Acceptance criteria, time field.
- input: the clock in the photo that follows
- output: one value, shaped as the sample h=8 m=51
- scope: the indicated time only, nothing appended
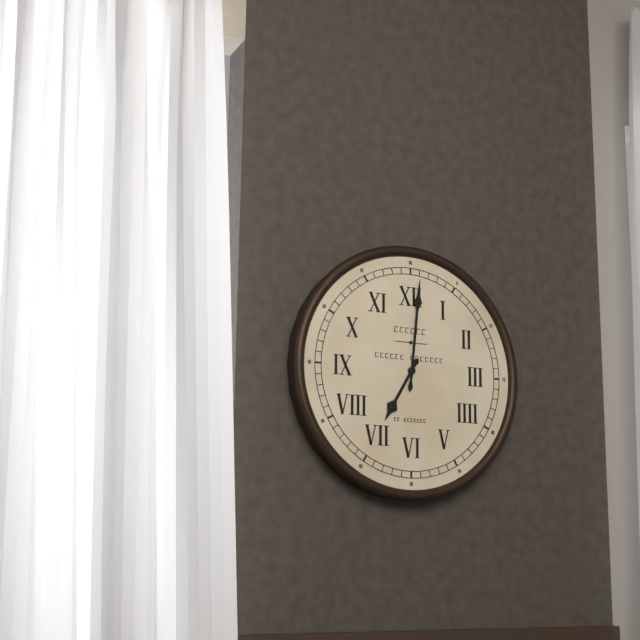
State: h=7 m=1
